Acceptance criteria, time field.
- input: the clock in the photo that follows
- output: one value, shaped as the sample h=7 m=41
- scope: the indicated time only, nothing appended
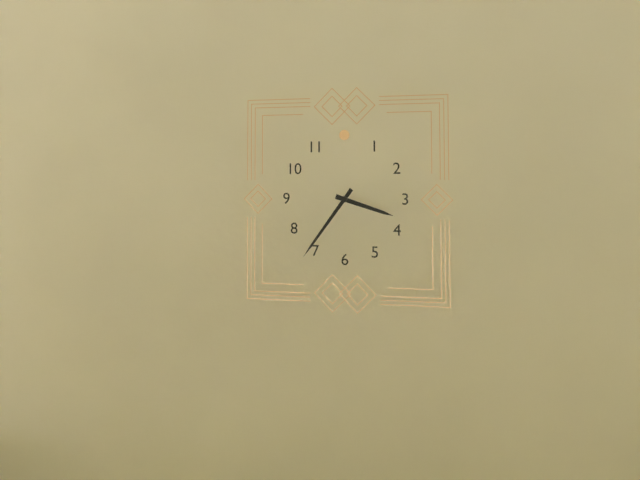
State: h=3 m=36
